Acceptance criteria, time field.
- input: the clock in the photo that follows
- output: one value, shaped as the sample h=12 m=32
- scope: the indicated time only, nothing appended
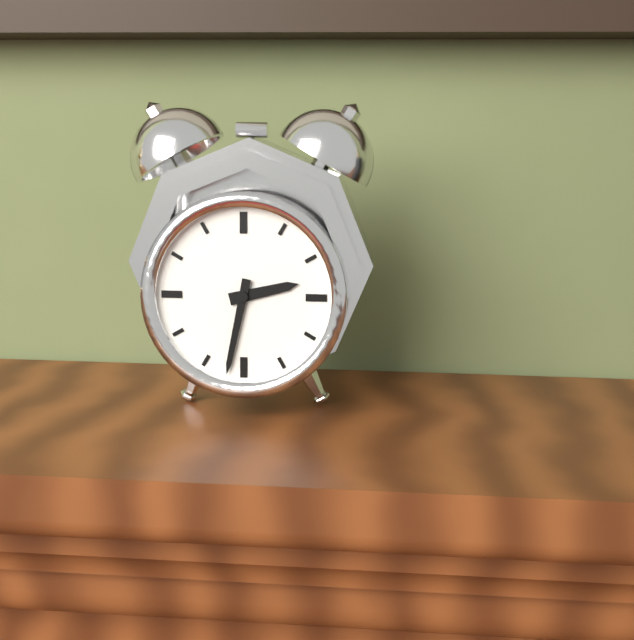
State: h=2 m=32
